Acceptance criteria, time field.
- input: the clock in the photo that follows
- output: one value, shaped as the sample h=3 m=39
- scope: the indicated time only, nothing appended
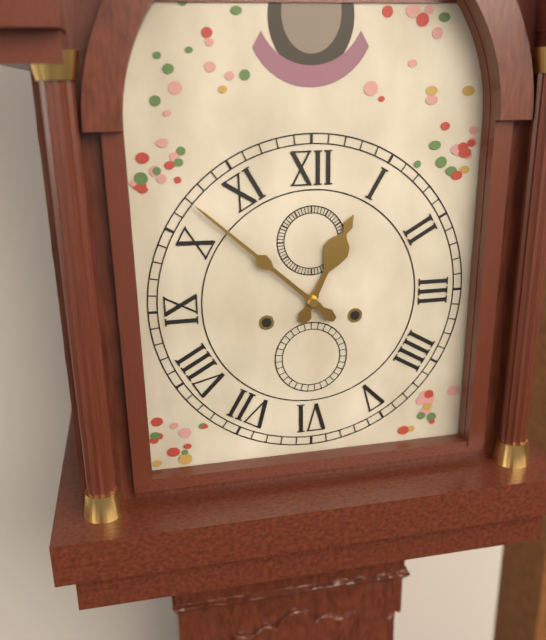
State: h=12 m=52
